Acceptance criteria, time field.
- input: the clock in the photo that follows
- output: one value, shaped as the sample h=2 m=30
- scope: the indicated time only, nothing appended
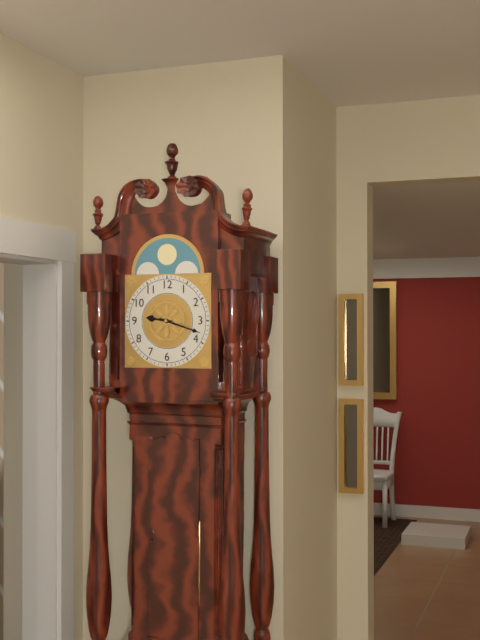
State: h=9 m=18
